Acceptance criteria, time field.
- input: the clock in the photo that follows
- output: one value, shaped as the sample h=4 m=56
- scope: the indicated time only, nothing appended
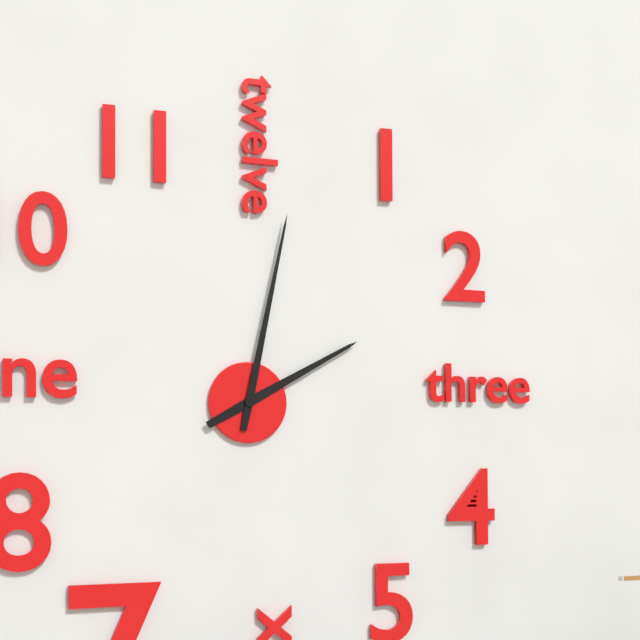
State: h=2 m=2
